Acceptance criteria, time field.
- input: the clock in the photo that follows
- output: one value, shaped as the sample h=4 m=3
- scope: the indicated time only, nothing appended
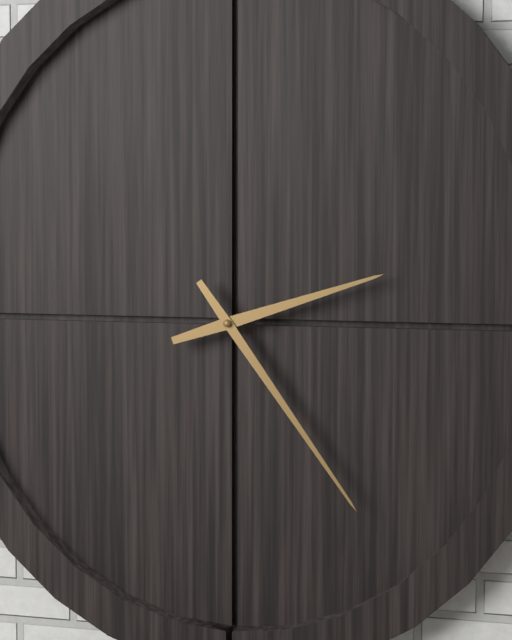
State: h=2 m=24
